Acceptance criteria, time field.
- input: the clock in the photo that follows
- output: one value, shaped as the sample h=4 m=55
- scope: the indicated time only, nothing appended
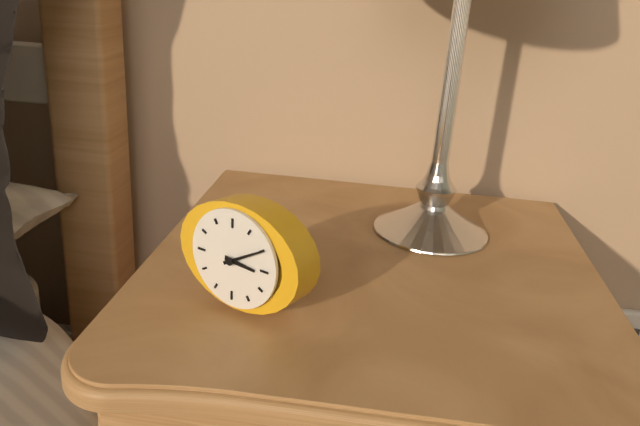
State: h=3 m=10
